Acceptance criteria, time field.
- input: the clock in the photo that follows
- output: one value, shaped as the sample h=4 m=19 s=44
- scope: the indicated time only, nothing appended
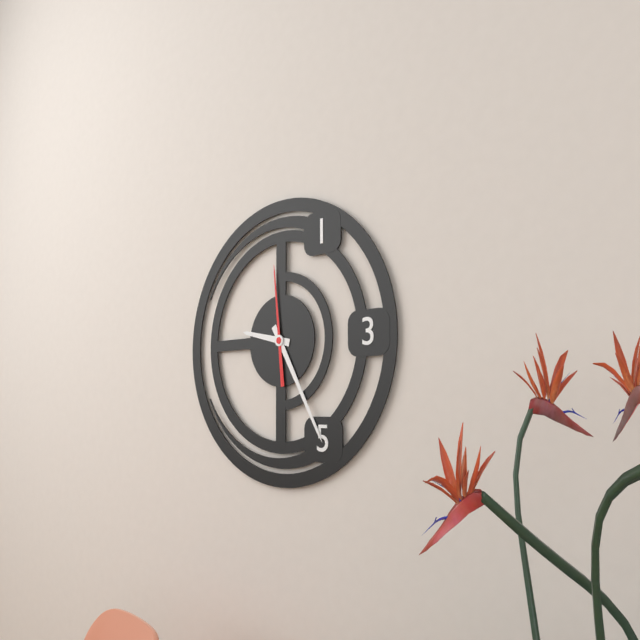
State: h=9 m=25 s=59
